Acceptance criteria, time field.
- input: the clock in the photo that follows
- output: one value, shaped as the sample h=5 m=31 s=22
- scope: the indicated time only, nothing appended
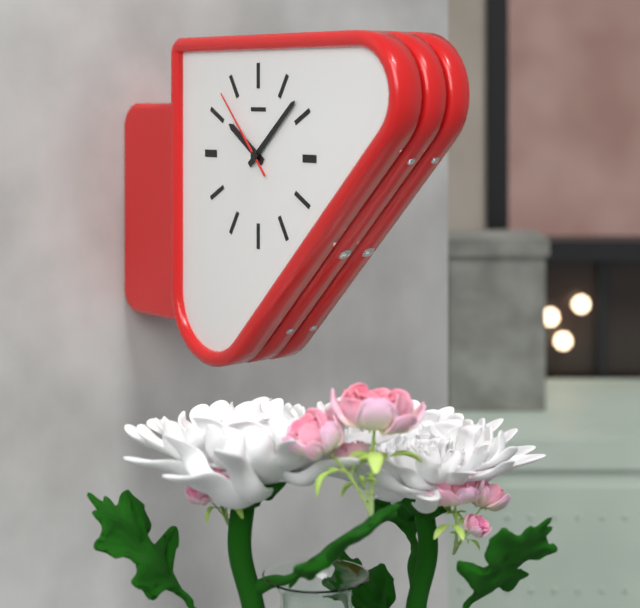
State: h=10 m=8 s=53
